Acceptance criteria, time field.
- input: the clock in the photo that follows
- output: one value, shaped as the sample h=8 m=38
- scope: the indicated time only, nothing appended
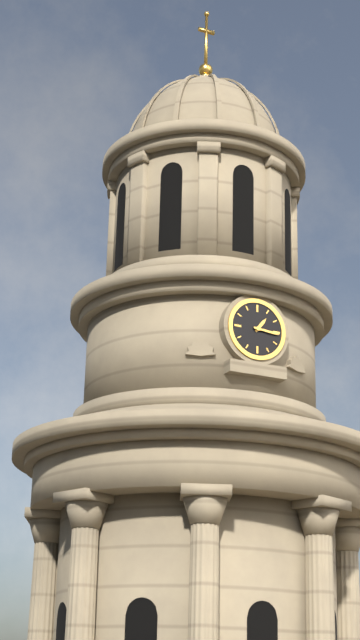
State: h=1 m=16
